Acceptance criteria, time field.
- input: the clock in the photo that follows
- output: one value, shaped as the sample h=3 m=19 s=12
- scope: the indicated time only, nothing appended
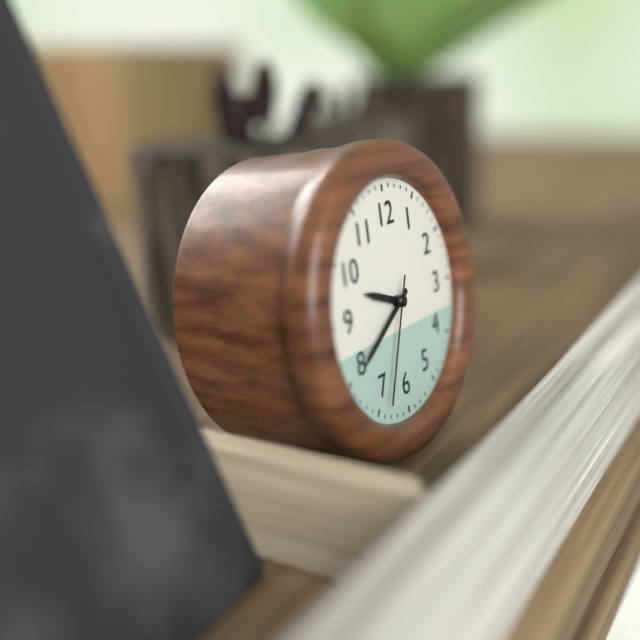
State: h=9 m=40 s=34
